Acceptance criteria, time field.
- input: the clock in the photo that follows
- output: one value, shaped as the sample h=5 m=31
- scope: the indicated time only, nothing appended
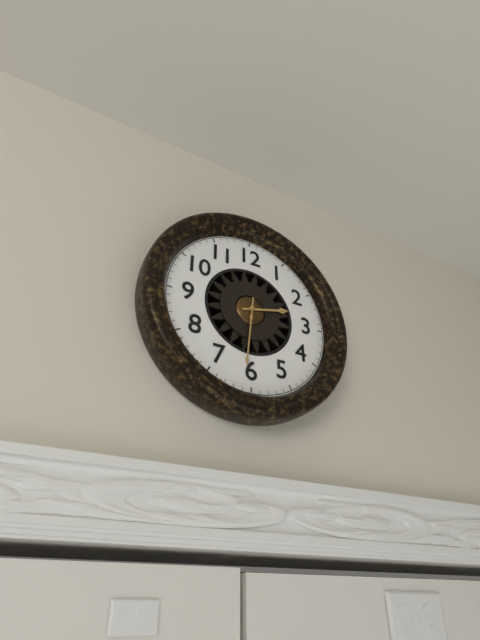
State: h=2 m=31
